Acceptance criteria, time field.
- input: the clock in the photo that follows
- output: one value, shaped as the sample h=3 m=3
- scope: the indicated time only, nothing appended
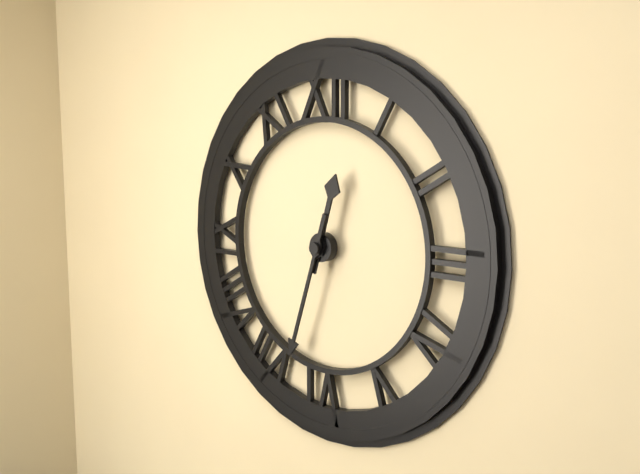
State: h=12 m=33
